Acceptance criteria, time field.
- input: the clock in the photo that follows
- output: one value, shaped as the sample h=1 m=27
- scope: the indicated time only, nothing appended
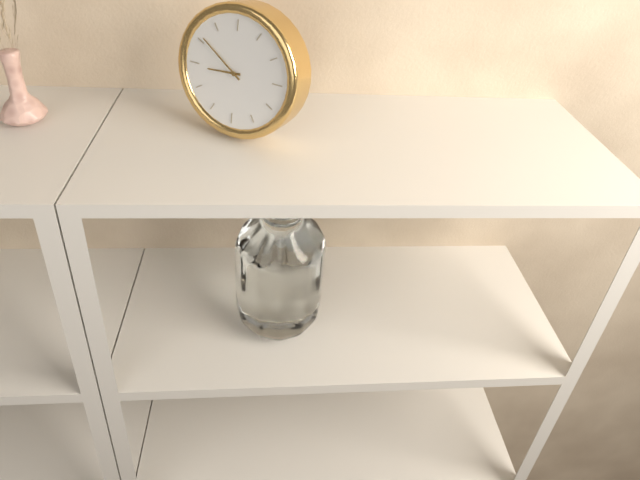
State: h=8 m=51
